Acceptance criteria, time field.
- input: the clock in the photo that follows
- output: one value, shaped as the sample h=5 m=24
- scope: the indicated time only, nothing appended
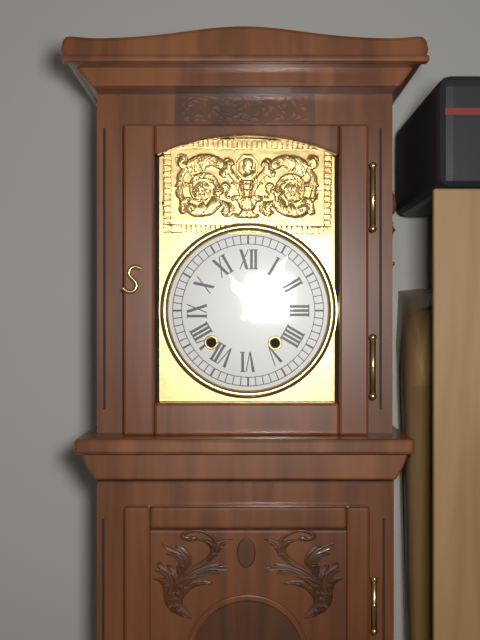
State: h=11 m=6
